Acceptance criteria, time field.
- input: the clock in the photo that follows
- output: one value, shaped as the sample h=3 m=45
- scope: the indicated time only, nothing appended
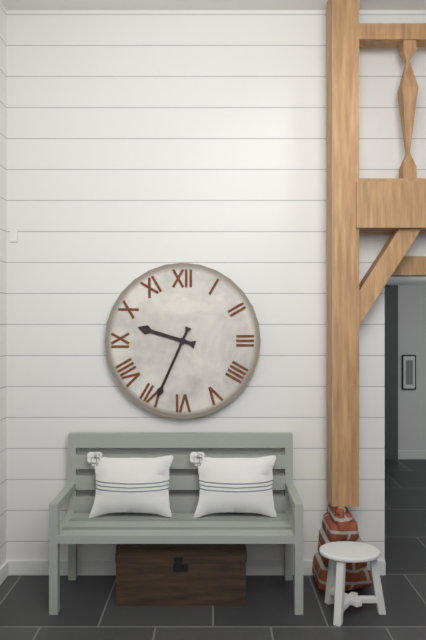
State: h=9 m=34
